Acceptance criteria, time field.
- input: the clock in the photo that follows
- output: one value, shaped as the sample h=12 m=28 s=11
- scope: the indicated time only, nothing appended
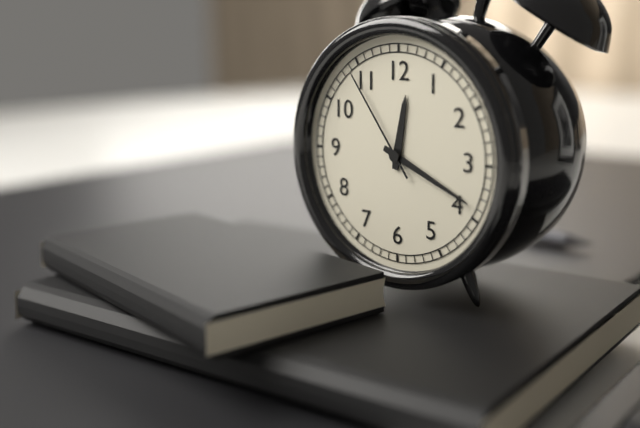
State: h=12 m=19 s=54
